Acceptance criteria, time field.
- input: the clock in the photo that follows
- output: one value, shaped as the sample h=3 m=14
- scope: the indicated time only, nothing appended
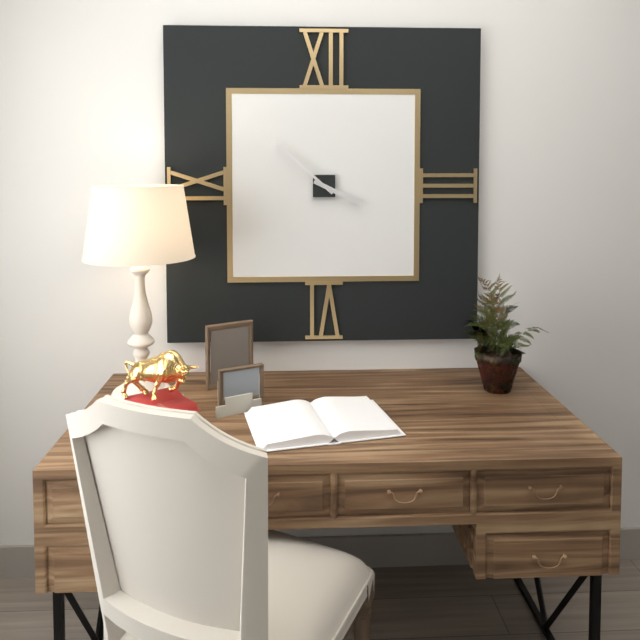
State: h=3 m=52
